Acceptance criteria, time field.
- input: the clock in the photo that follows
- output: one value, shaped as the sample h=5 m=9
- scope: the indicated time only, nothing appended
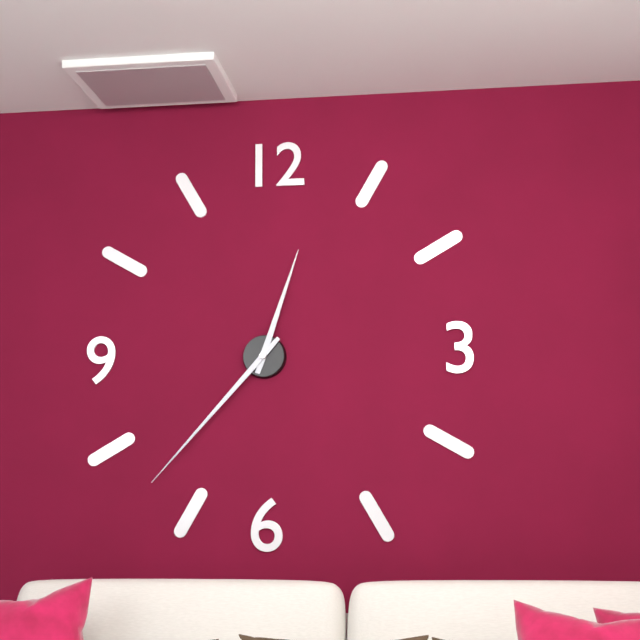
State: h=12 m=37
